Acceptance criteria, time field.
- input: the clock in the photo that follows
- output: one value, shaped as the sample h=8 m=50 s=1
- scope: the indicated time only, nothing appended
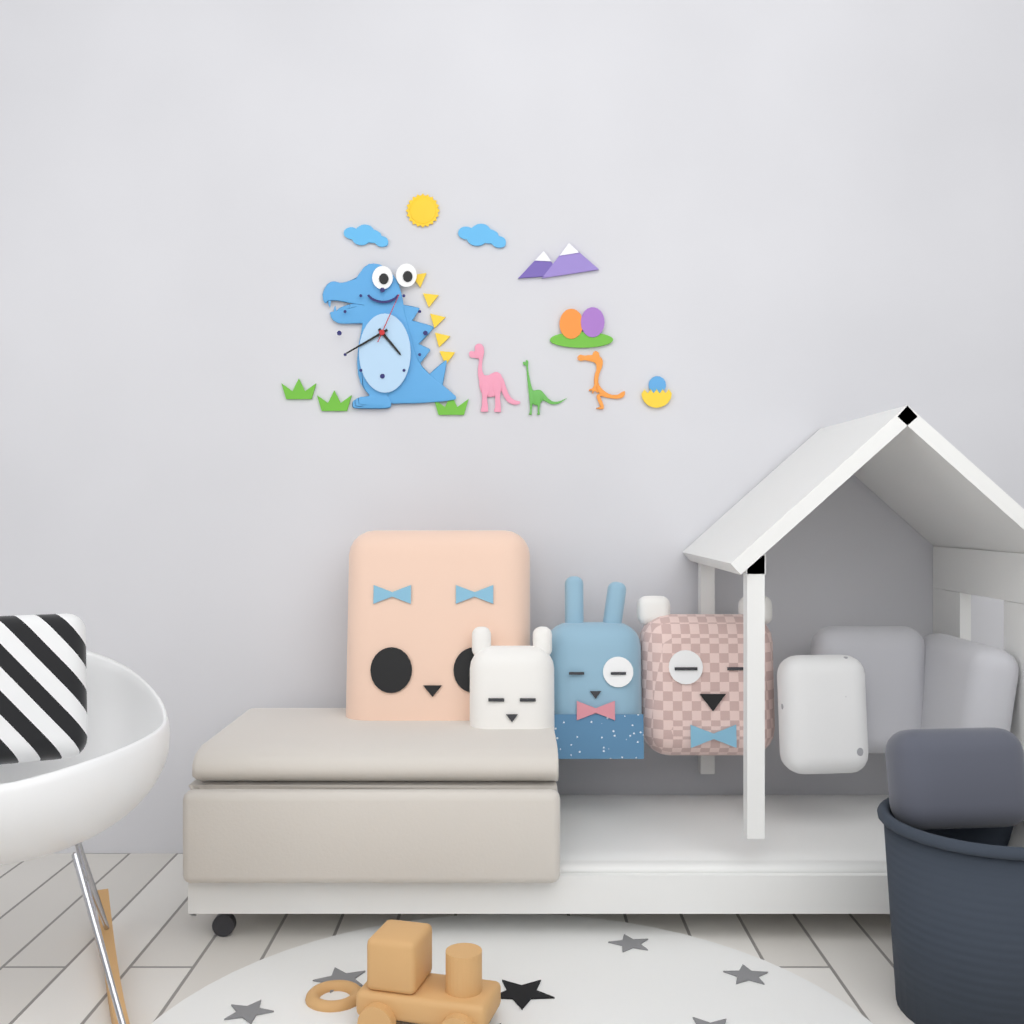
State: h=4 m=40 s=4
